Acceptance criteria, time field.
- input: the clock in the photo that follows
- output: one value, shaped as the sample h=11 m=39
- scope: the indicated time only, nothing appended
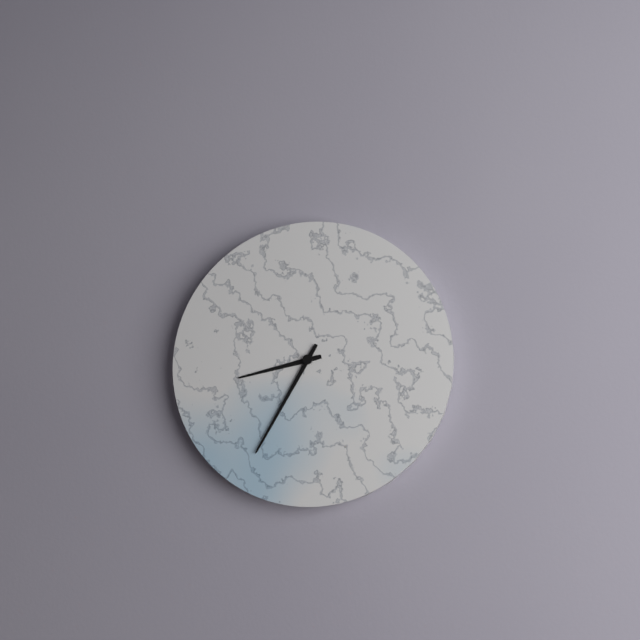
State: h=8 m=35
